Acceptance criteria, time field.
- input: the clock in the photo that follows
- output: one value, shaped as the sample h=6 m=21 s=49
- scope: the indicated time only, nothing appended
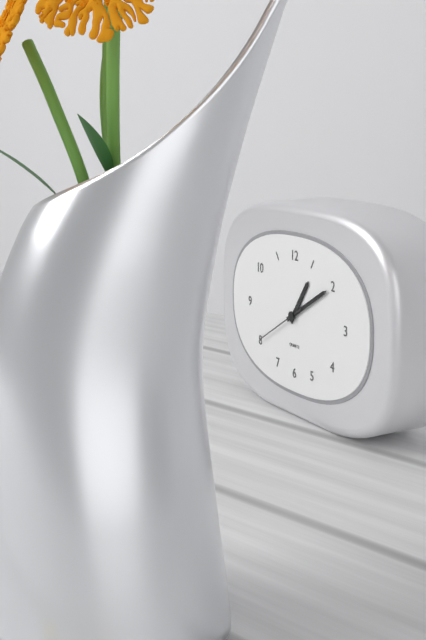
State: h=1 m=10 s=40
